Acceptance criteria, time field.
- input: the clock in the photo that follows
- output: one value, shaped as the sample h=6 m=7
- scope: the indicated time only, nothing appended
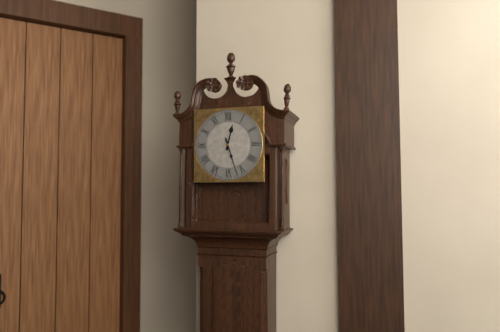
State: h=12 m=27
